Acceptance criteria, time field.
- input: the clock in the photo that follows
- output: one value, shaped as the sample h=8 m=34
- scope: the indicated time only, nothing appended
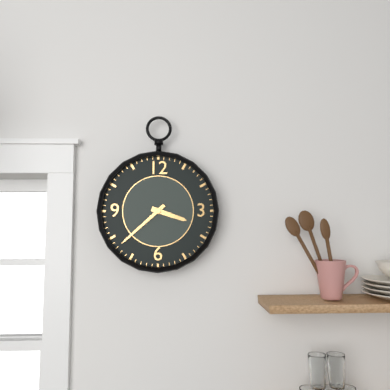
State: h=3 m=38
